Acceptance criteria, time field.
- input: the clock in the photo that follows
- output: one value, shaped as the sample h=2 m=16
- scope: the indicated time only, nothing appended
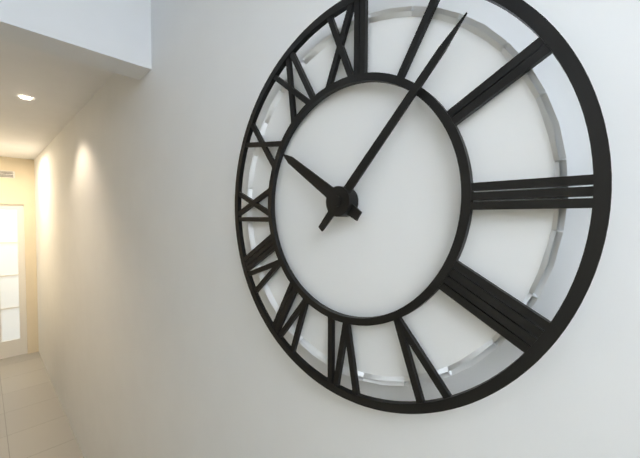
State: h=10 m=7
